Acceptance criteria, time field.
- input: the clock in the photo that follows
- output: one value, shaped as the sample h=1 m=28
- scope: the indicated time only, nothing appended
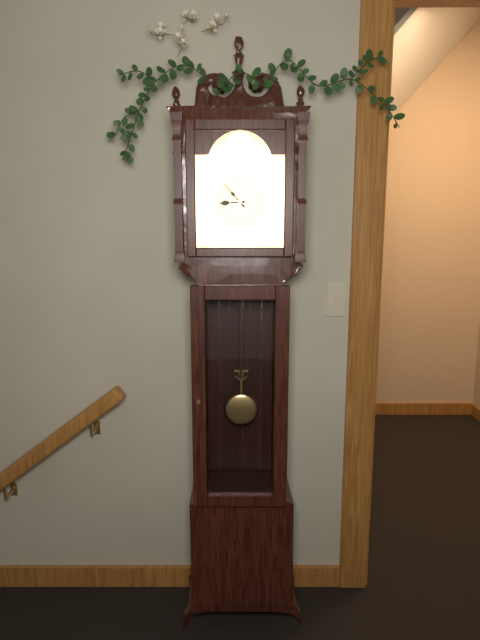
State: h=8 m=53
